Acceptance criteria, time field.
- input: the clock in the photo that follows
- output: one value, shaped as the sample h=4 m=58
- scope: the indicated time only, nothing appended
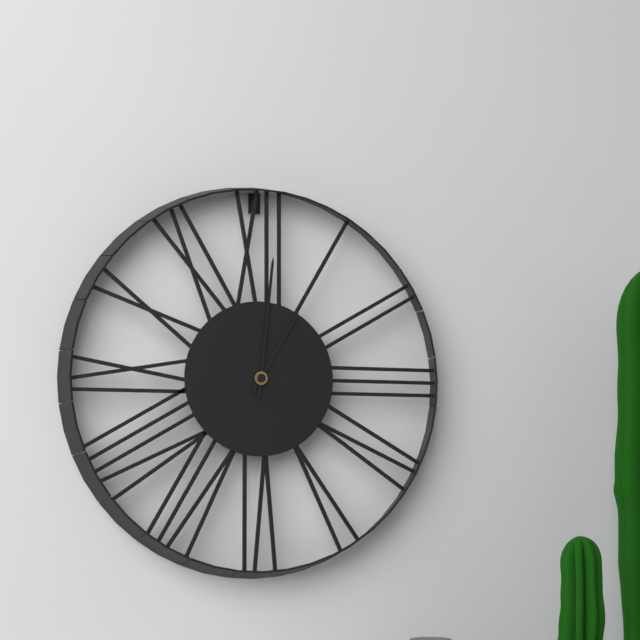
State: h=1 m=1
